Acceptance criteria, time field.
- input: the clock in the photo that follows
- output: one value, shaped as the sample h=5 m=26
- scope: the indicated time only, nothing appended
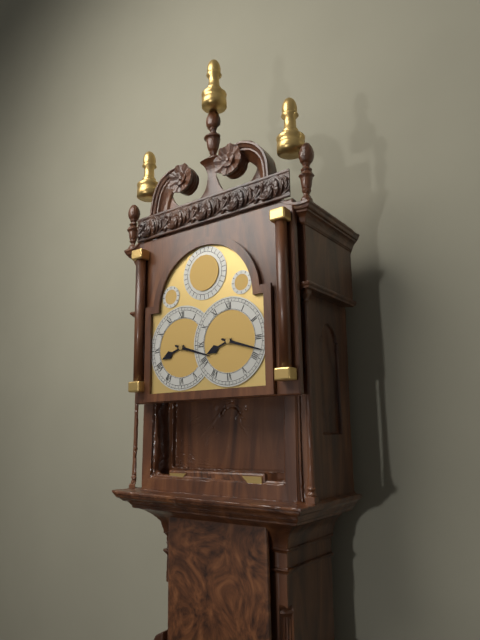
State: h=8 m=18
